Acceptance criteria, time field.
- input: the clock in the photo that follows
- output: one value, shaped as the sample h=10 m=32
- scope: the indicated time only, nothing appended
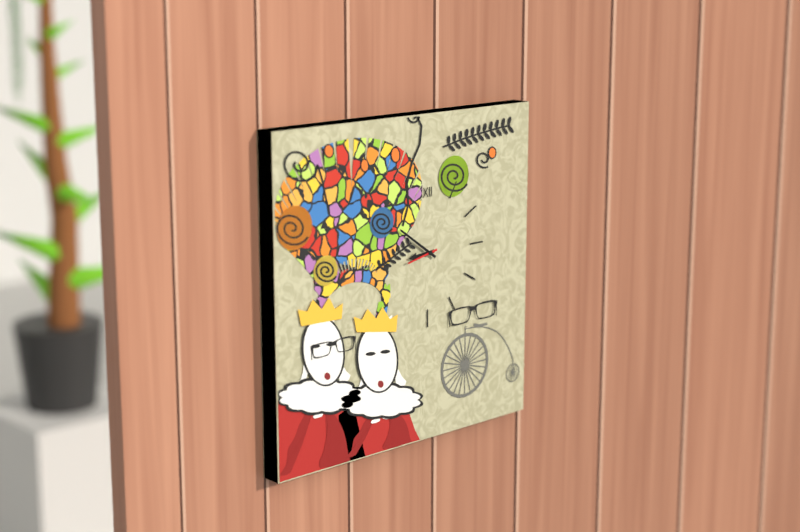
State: h=8 m=51
